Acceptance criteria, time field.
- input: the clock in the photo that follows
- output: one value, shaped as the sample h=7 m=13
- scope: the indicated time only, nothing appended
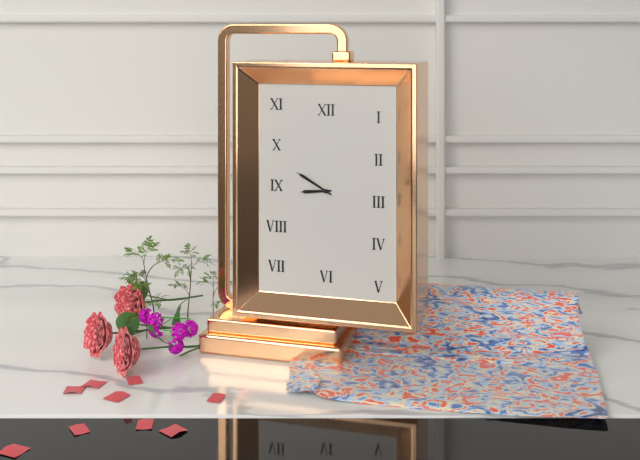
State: h=8 m=50
